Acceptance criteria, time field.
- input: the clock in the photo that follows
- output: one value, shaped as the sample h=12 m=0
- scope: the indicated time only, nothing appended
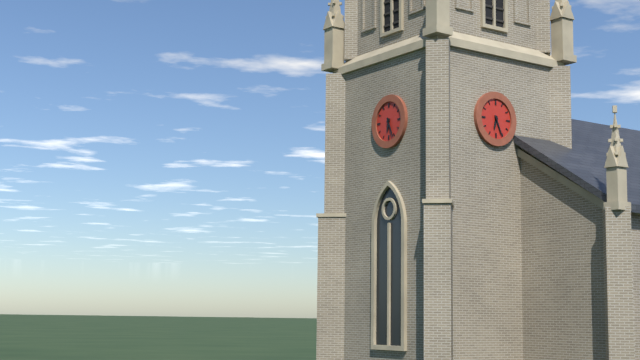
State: h=6 m=26
